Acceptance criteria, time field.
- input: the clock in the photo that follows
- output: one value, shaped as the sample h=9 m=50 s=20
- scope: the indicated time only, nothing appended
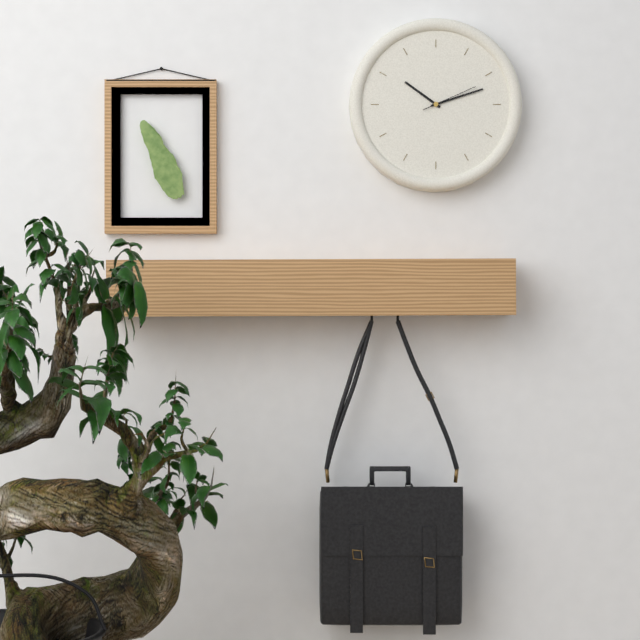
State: h=10 m=12 s=11
